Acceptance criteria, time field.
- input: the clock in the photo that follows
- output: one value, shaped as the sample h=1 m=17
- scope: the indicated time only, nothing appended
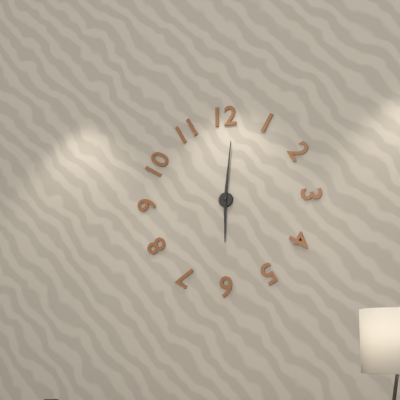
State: h=6 m=1
